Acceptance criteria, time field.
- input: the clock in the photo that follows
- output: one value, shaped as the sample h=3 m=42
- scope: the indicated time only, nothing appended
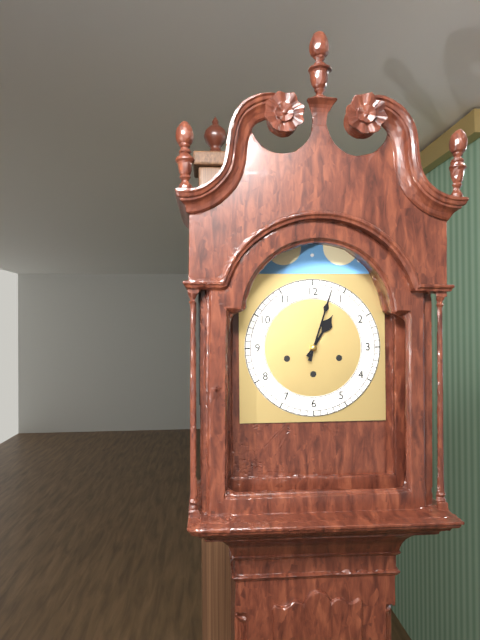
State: h=1 m=3
